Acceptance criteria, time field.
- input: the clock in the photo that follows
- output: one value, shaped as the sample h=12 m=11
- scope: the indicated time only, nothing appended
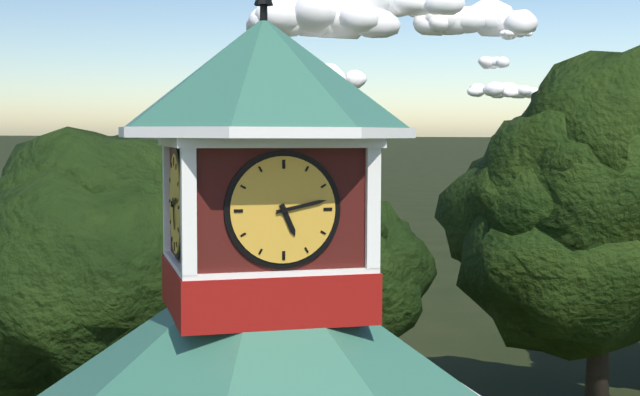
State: h=5 m=13
